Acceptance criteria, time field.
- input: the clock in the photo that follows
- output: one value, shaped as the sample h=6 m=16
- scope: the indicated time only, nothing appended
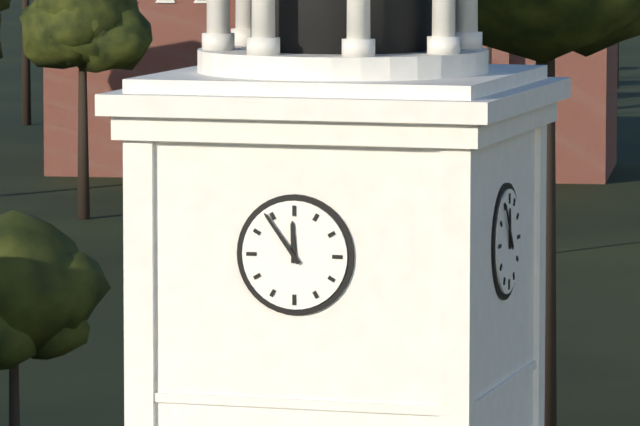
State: h=11 m=54
